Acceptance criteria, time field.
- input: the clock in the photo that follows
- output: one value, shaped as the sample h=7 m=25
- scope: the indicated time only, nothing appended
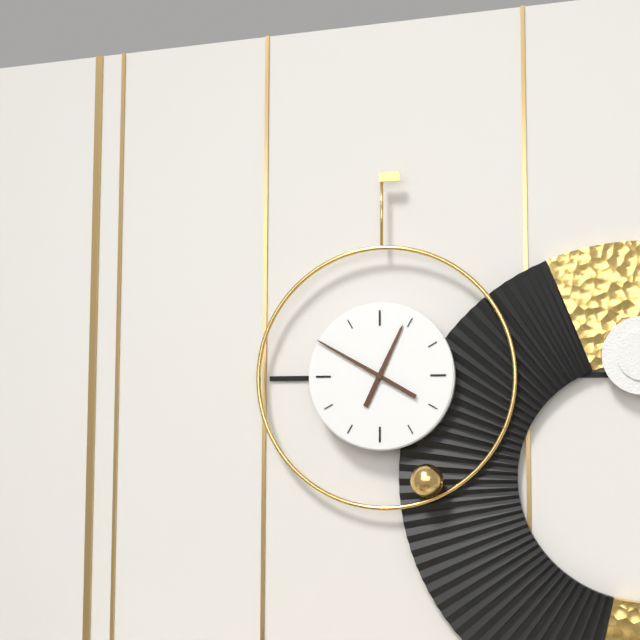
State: h=12 m=50
